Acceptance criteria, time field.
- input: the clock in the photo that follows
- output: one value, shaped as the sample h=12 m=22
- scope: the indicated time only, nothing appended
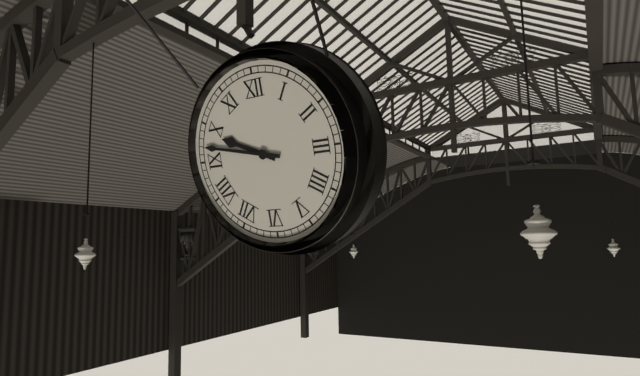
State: h=9 m=47
